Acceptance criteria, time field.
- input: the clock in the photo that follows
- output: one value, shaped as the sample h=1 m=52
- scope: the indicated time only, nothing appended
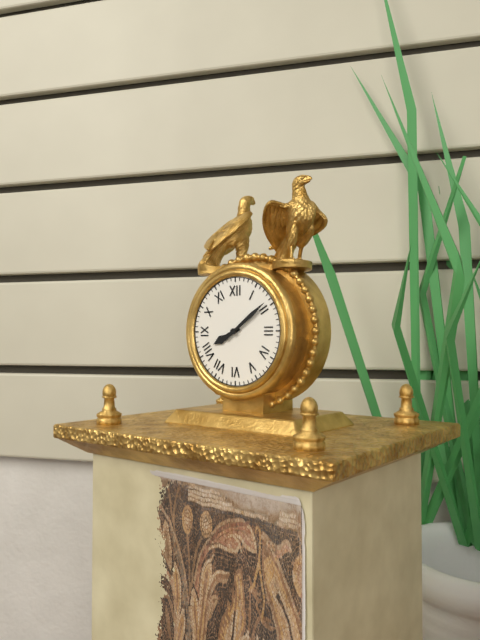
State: h=8 m=9
